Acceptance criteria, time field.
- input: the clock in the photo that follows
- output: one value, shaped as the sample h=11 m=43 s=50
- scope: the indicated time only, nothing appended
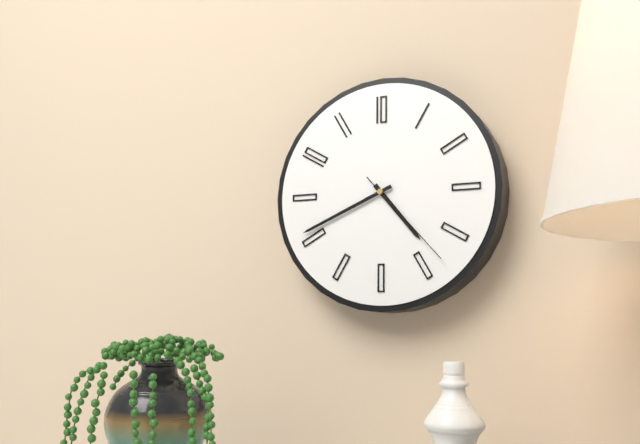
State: h=4 m=41 s=23
